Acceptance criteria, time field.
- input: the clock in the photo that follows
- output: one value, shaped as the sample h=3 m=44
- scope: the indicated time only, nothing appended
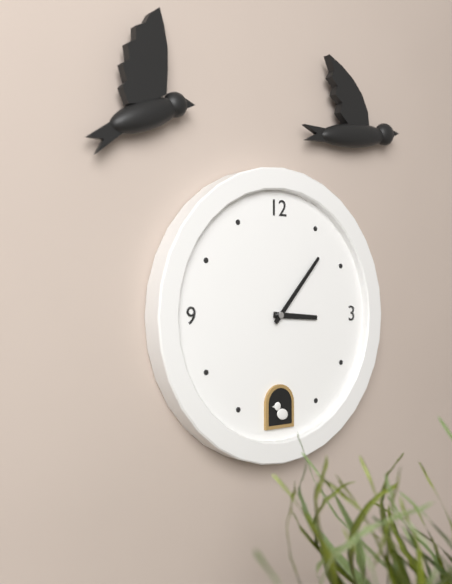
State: h=3 m=7
